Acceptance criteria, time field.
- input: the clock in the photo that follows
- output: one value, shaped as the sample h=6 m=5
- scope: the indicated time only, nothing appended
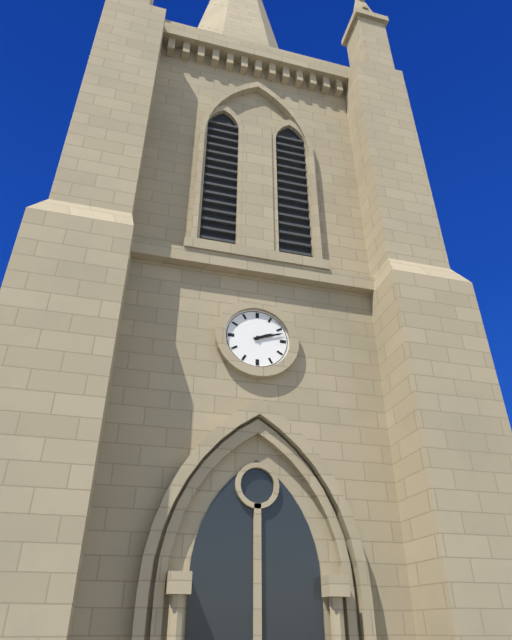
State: h=2 m=12
